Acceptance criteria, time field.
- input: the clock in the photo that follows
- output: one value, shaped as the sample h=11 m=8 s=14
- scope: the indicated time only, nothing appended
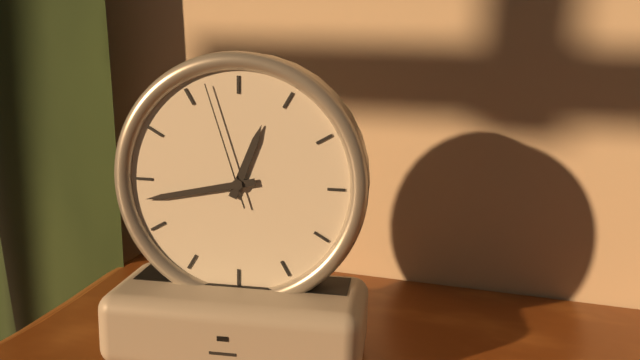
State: h=12 m=43 s=57
